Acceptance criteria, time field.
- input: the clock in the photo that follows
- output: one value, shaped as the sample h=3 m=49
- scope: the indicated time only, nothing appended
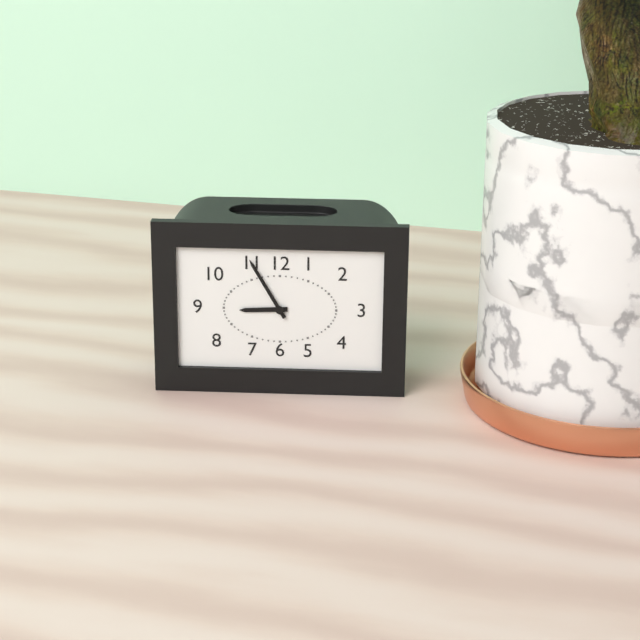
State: h=8 m=55
